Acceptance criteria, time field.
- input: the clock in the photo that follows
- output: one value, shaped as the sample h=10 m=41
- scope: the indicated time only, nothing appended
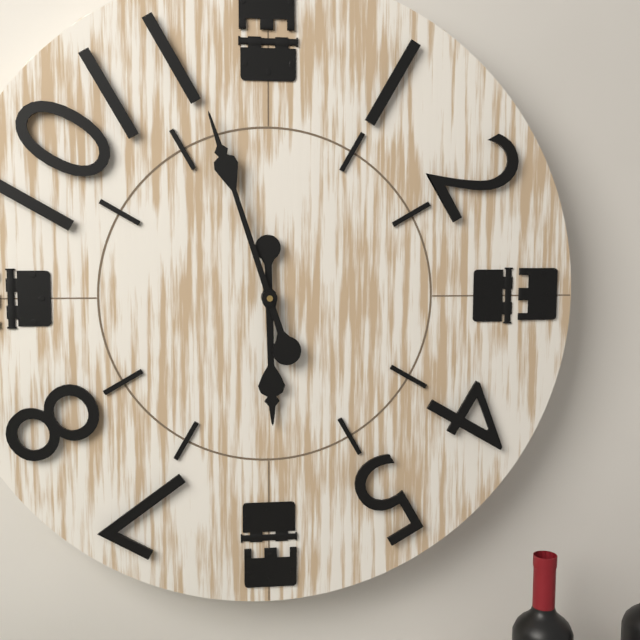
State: h=5 m=57
